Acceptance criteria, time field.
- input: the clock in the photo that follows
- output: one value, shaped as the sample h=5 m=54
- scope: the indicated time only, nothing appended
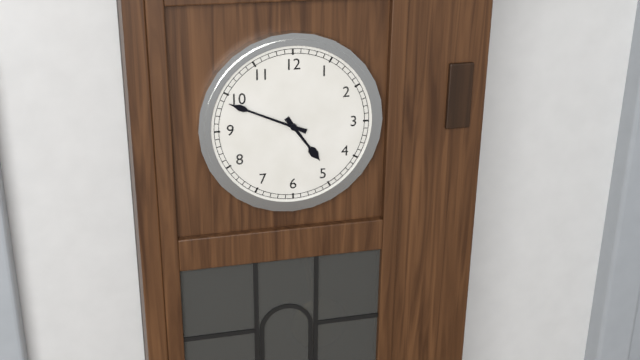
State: h=4 m=49
